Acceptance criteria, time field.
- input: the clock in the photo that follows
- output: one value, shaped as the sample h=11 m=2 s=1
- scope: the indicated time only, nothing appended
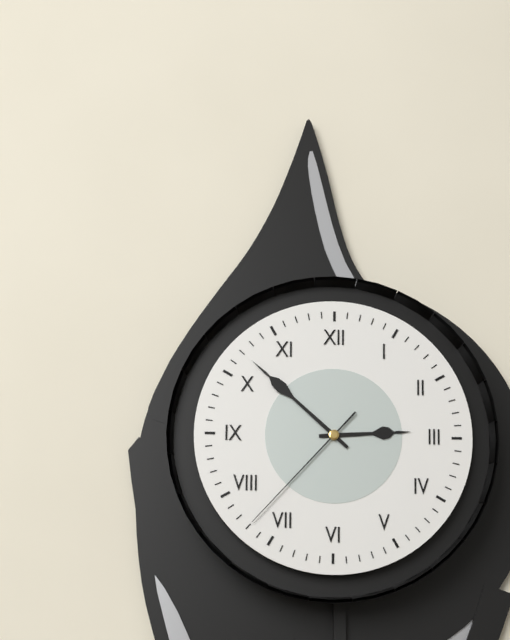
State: h=2 m=52 s=37
